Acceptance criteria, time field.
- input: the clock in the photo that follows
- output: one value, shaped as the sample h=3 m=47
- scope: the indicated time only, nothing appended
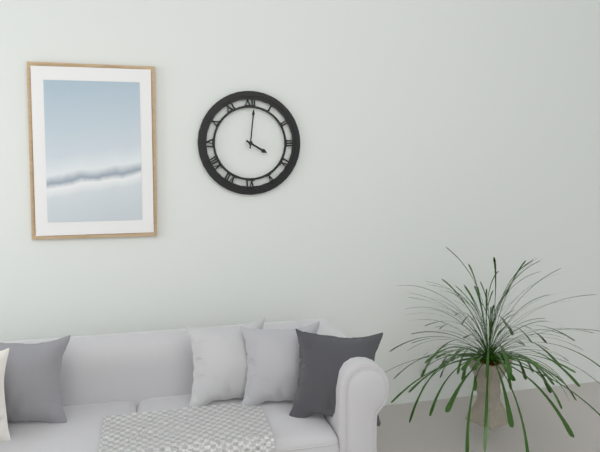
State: h=4 m=1
